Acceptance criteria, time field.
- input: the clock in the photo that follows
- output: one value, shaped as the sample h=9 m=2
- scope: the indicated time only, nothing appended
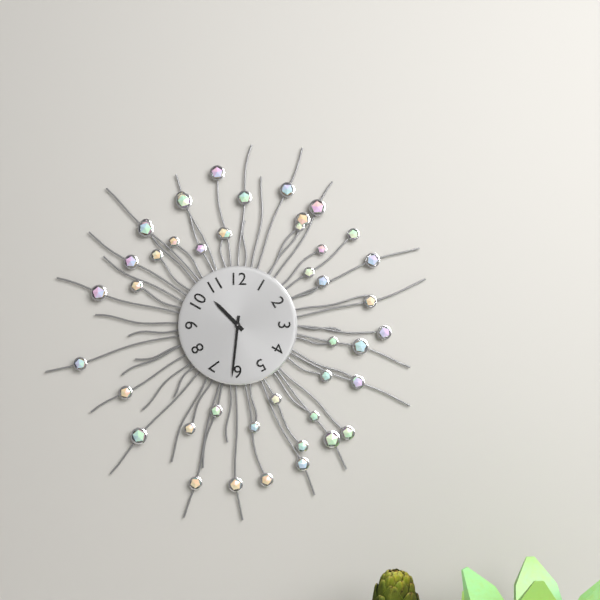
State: h=10 m=31
